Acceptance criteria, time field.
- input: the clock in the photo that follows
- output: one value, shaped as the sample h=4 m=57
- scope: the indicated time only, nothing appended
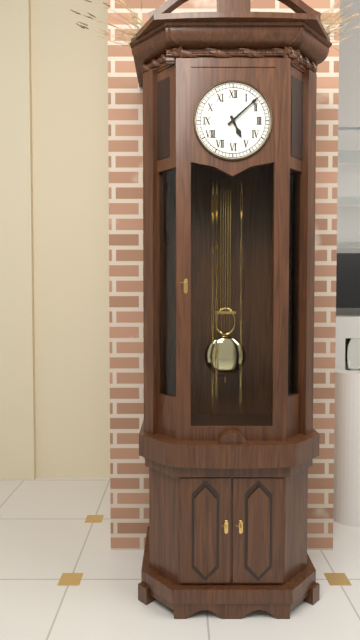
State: h=5 m=8
